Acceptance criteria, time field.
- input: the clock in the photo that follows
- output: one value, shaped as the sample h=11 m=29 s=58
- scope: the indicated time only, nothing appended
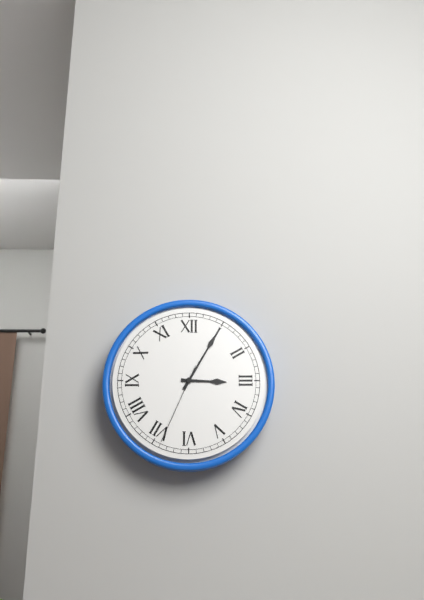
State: h=3 m=5 s=34
